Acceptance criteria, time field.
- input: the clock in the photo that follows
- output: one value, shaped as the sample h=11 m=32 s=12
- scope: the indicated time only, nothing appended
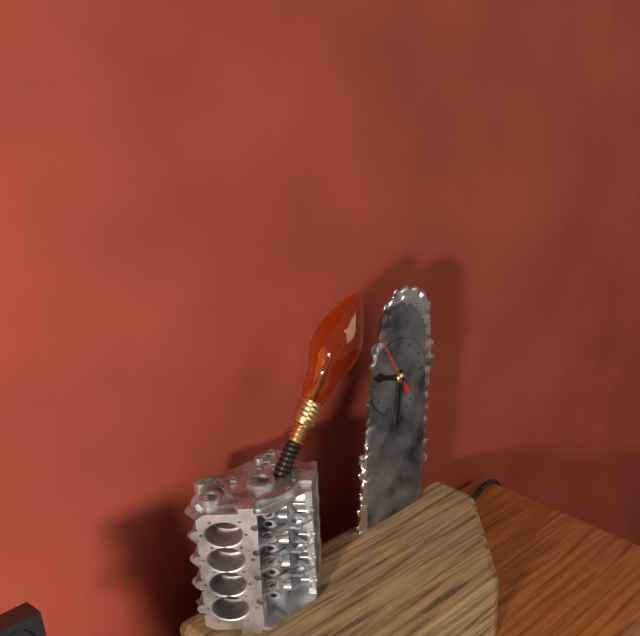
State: h=9 m=31 s=55
